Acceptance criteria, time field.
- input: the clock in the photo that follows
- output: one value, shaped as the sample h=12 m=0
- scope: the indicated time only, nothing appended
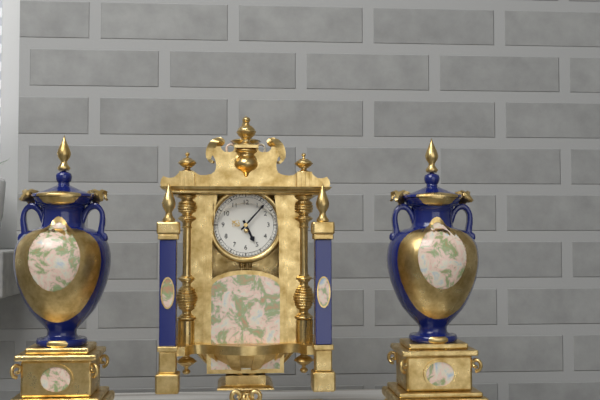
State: h=5 m=7
